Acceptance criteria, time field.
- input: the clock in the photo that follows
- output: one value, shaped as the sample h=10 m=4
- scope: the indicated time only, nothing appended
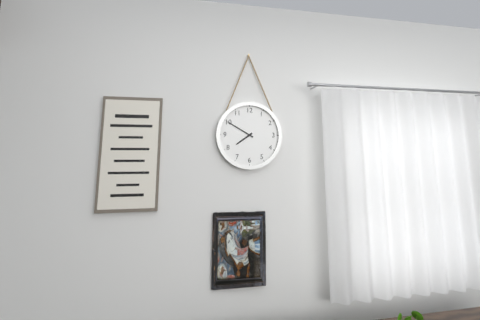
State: h=7 m=50
